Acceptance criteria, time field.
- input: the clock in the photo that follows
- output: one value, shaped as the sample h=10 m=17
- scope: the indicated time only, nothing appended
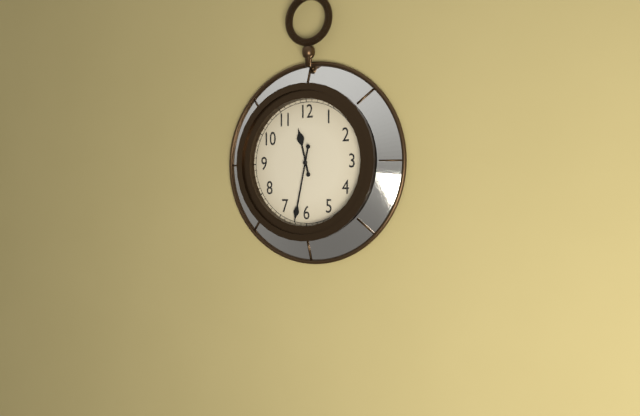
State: h=11 m=32
